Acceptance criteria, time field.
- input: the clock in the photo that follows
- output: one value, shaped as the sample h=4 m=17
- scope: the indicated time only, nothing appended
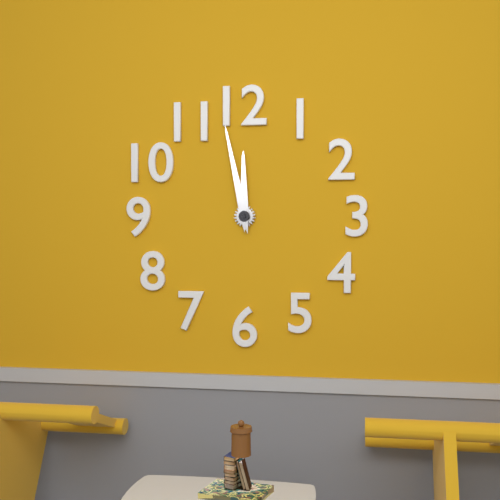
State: h=11 m=58
